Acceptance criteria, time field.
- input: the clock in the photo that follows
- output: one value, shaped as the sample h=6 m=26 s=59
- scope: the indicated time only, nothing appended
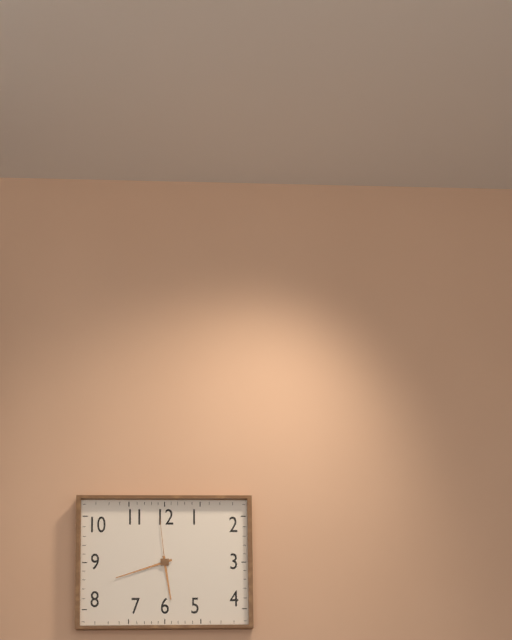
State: h=5 m=42 s=59
